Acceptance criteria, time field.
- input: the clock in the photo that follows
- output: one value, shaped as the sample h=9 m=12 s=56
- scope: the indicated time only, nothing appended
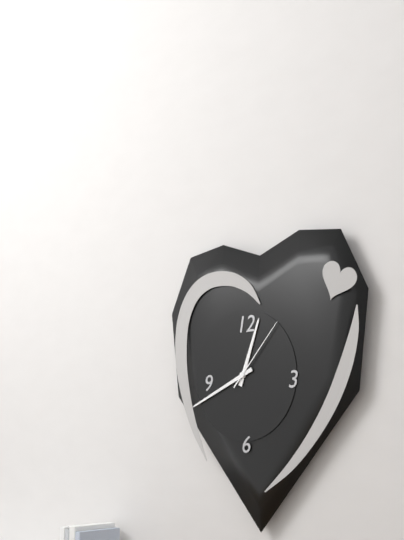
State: h=12 m=41 s=7
